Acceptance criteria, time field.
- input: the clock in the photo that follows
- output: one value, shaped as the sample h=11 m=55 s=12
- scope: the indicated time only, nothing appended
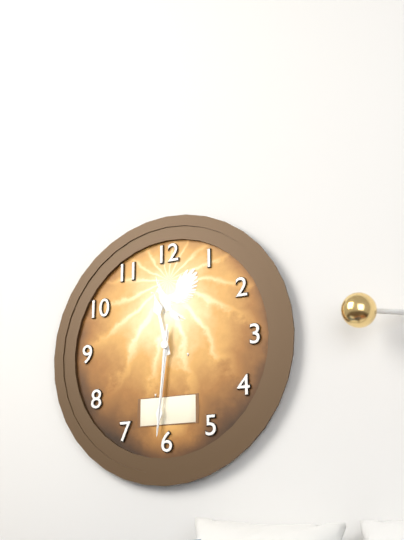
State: h=11 m=31 s=31
